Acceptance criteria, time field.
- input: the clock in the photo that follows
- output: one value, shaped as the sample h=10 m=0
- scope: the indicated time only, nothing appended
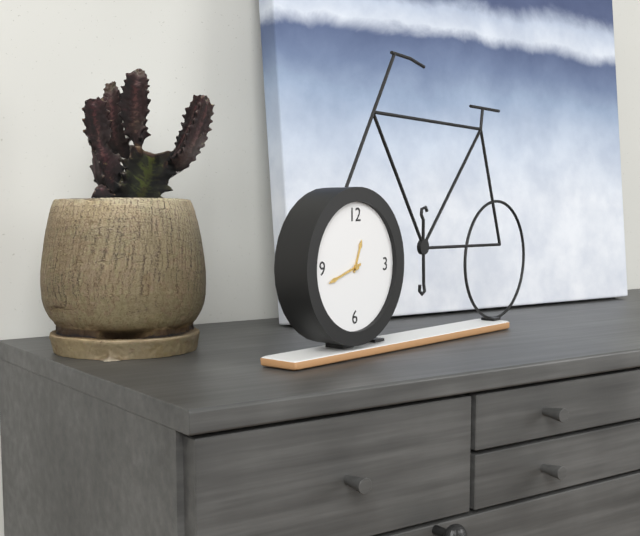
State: h=12 m=42
